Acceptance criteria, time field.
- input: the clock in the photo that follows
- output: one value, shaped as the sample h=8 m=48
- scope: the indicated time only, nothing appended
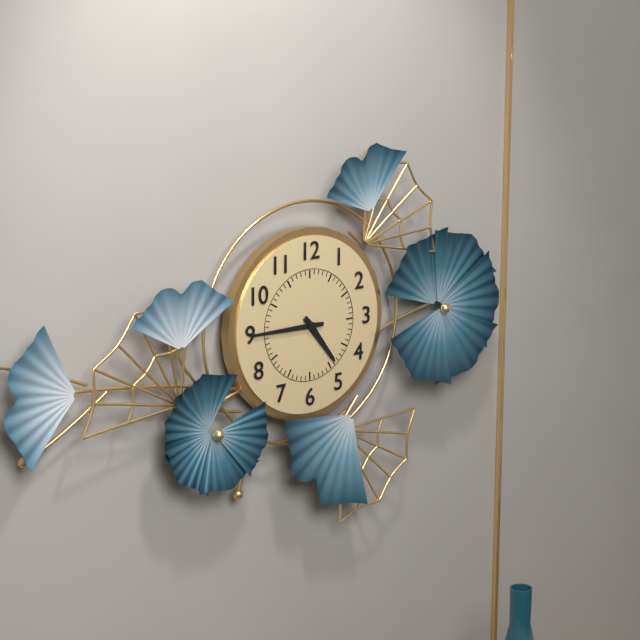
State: h=4 m=45
